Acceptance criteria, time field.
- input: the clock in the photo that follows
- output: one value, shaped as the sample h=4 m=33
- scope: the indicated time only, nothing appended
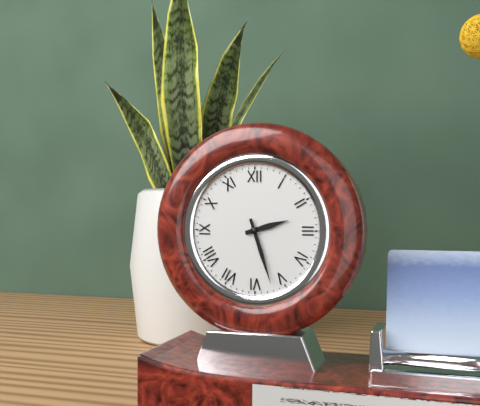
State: h=2 m=27
